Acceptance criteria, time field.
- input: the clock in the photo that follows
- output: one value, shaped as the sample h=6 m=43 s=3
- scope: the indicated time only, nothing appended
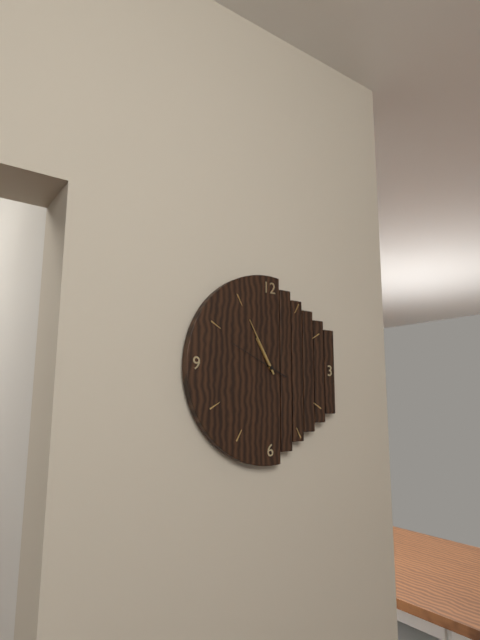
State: h=10 m=55 s=49
